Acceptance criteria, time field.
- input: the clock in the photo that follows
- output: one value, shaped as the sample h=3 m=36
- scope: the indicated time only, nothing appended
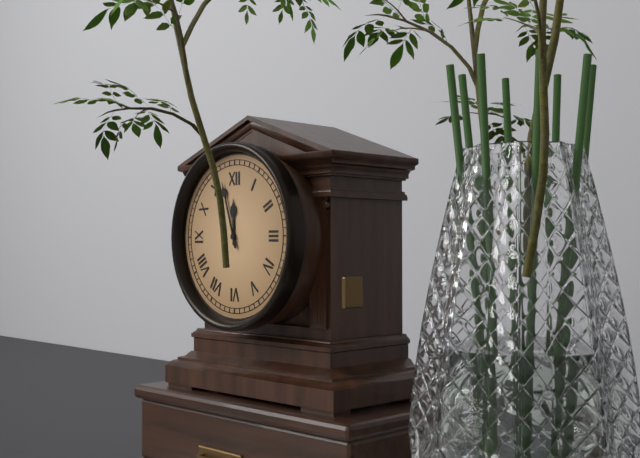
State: h=11 m=57
